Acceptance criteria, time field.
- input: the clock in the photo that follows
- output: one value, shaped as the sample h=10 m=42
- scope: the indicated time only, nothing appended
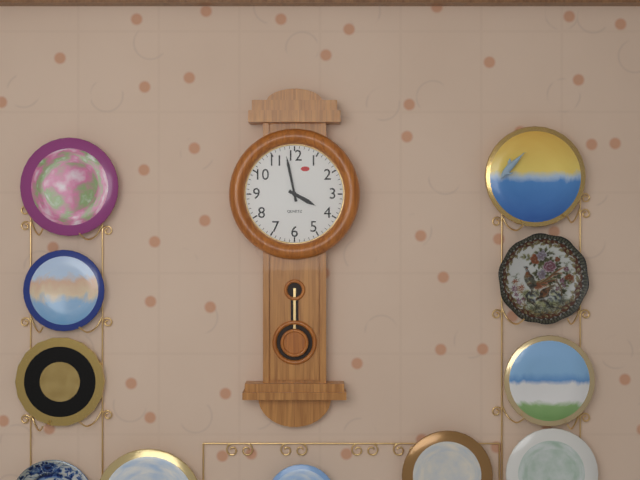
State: h=3 m=58
